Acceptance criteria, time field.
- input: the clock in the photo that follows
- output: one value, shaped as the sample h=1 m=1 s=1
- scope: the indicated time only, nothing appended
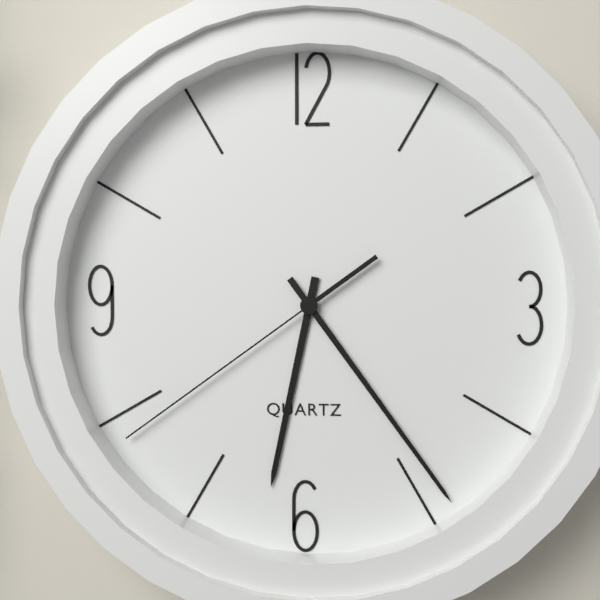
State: h=6 m=24 s=39
